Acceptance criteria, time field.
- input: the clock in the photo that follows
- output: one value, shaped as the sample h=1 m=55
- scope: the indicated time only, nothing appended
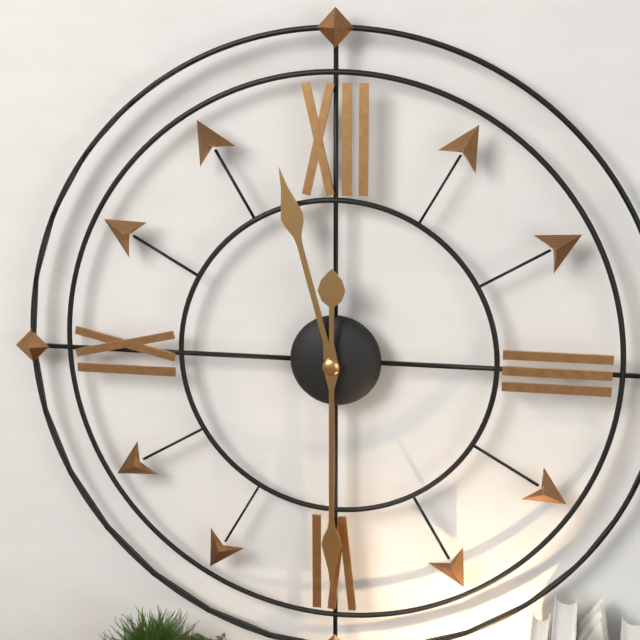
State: h=11 m=30
